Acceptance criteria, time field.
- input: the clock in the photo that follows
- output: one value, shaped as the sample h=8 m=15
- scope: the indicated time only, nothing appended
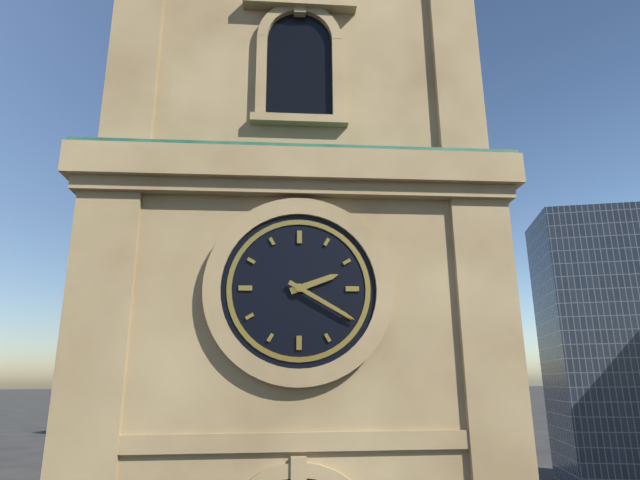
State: h=2 m=20
